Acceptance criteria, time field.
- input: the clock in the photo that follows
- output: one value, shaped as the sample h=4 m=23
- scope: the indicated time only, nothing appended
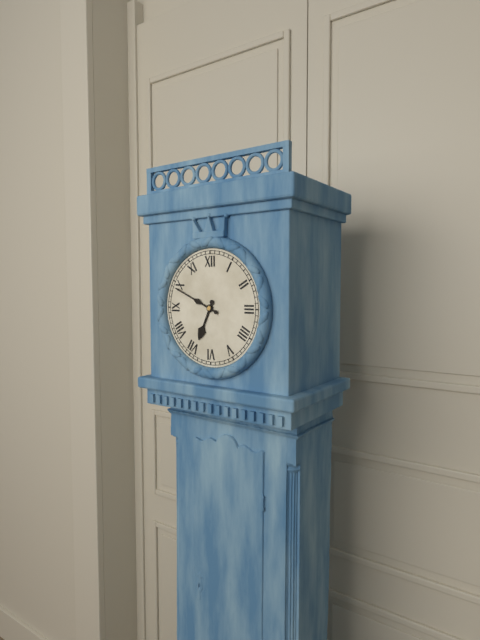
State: h=6 m=49
